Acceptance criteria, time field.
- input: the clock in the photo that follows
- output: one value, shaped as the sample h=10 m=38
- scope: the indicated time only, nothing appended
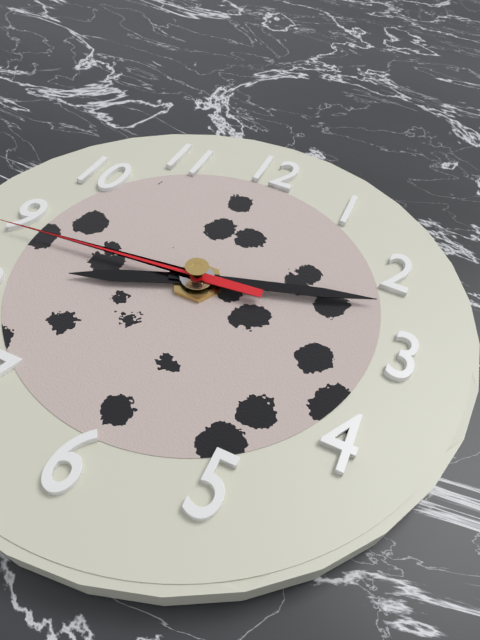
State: h=8 m=12
